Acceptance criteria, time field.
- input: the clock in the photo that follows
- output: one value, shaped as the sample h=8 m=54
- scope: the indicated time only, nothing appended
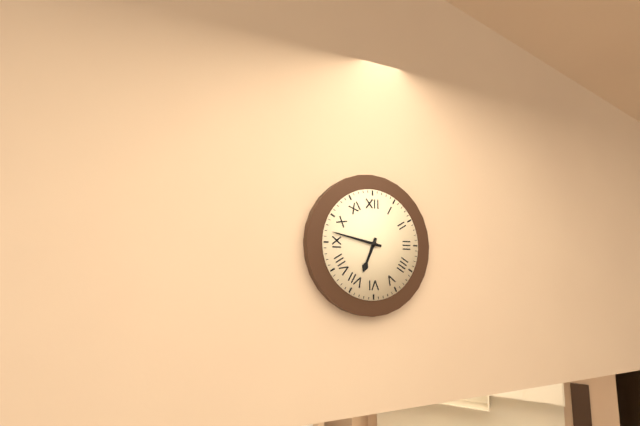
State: h=6 m=47
